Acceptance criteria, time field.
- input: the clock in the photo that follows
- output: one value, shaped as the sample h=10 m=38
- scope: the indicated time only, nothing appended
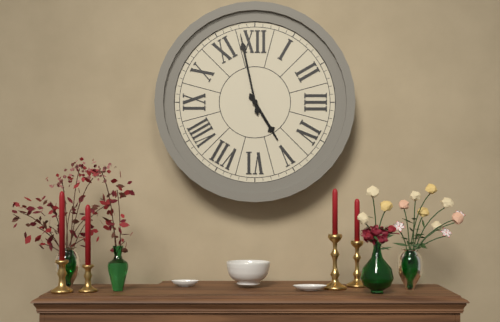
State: h=4 m=58
